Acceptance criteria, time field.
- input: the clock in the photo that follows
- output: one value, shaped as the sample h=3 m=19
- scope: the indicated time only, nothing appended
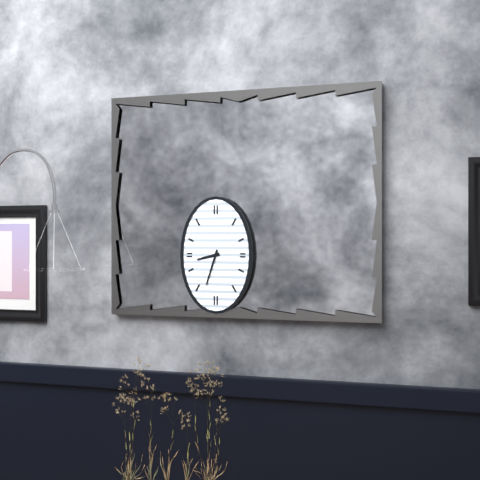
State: h=8 m=33
